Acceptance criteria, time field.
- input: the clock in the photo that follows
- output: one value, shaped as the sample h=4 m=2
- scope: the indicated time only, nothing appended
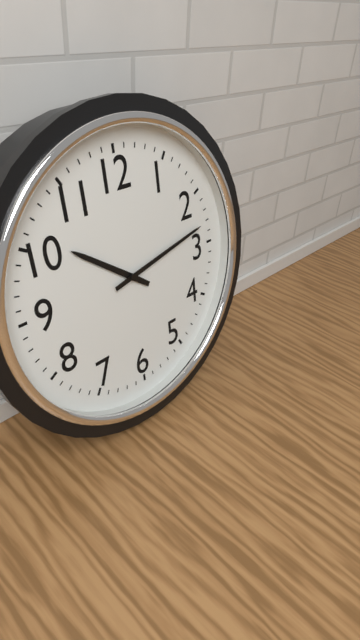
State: h=10 m=13
